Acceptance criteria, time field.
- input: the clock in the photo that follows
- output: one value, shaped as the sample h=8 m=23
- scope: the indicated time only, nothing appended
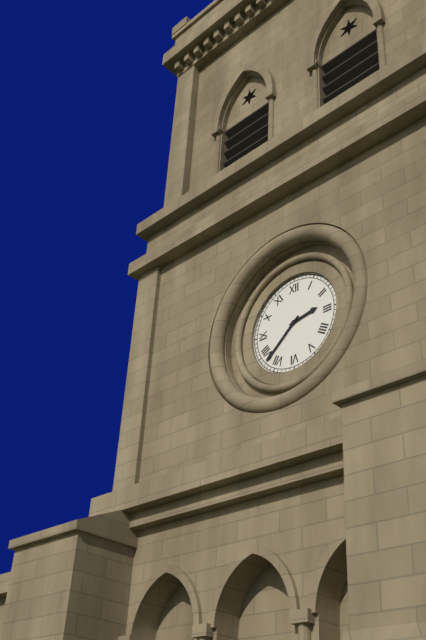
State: h=2 m=38
